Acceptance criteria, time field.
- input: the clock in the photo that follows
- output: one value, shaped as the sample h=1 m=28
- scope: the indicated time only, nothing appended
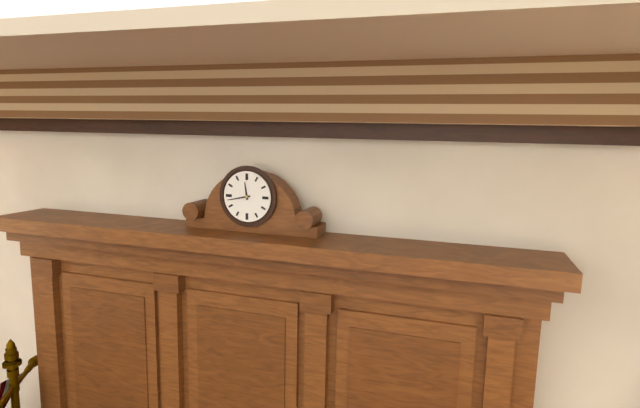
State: h=11 m=43
